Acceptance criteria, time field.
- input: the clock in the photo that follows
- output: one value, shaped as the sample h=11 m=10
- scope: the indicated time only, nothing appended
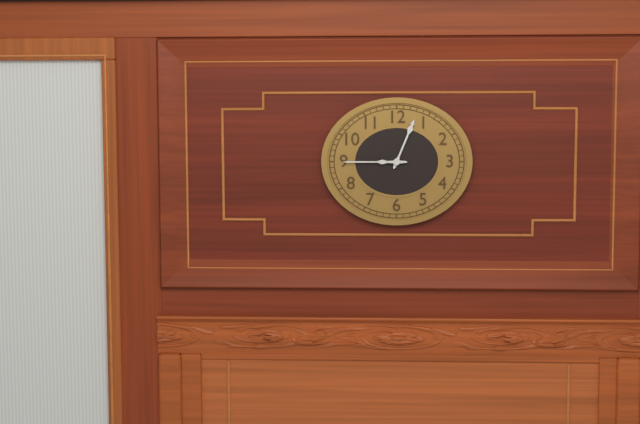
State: h=12 m=45
